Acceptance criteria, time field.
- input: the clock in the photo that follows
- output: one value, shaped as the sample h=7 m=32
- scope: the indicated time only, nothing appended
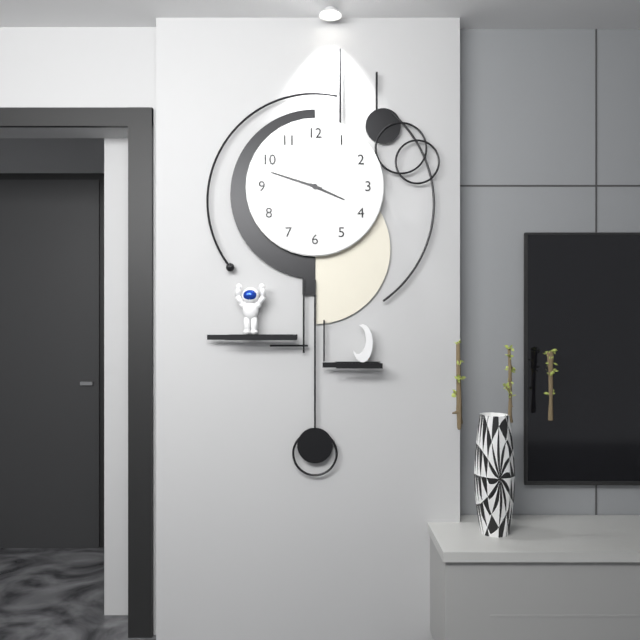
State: h=3 m=48
